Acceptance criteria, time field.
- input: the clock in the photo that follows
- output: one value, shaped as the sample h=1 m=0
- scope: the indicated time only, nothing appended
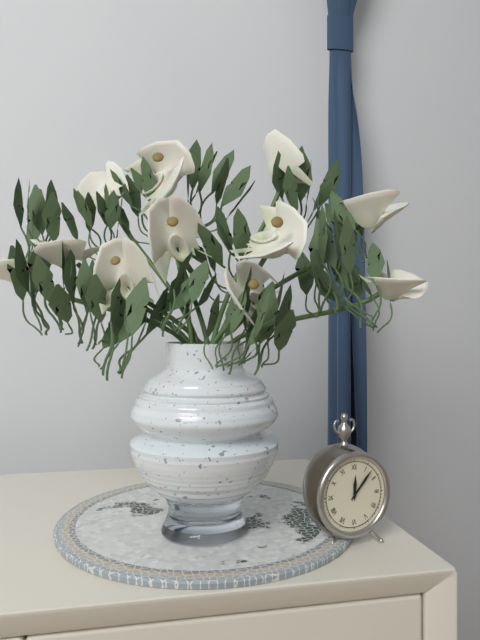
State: h=12 m=7
